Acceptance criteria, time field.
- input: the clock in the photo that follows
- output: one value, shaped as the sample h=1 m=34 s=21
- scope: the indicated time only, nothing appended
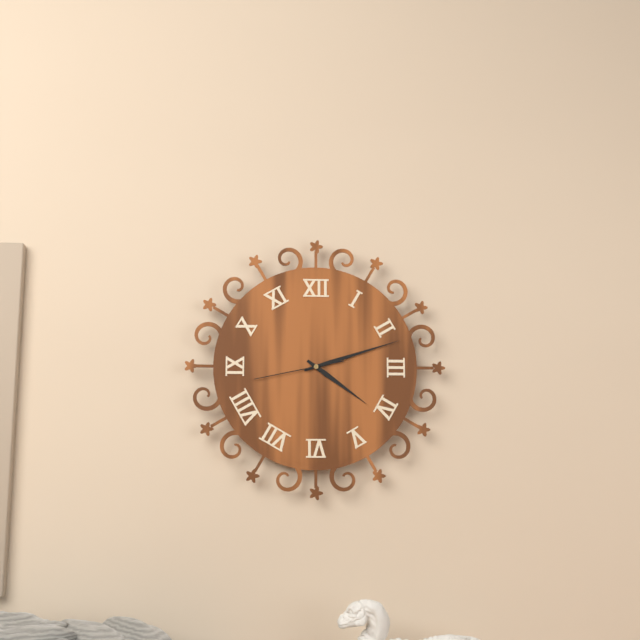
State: h=4 m=12 s=43
